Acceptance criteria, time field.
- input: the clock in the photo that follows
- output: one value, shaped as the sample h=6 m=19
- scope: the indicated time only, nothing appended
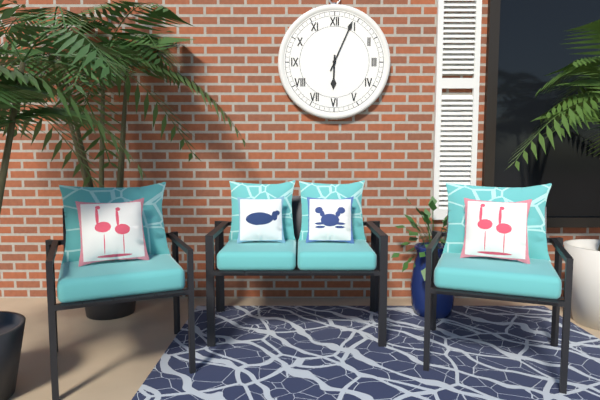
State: h=6 m=4
